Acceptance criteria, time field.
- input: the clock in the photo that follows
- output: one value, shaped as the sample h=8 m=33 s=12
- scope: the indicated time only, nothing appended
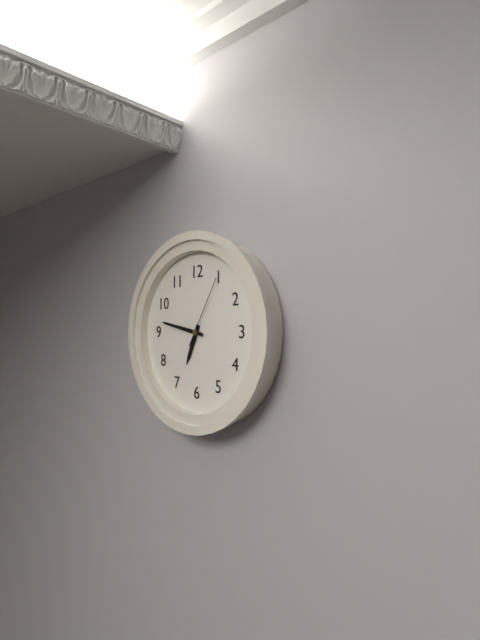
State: h=6 m=47 s=5
